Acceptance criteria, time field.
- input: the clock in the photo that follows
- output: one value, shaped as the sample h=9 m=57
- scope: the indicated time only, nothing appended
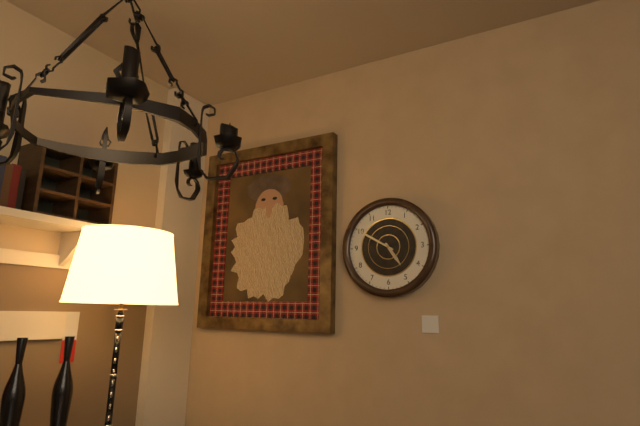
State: h=4 m=50
